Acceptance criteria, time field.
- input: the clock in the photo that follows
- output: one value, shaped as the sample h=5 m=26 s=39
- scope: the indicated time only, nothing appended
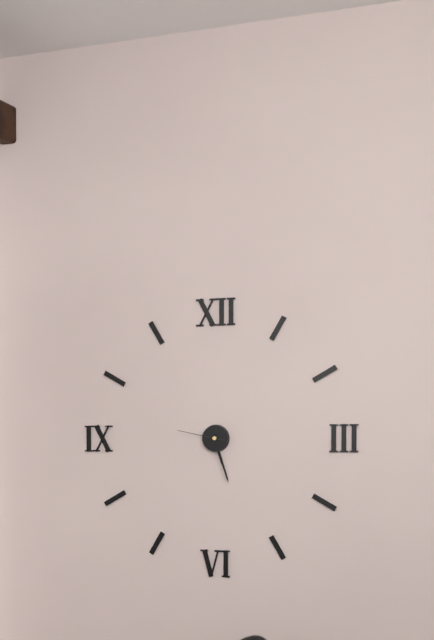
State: h=5 m=27 s=47
